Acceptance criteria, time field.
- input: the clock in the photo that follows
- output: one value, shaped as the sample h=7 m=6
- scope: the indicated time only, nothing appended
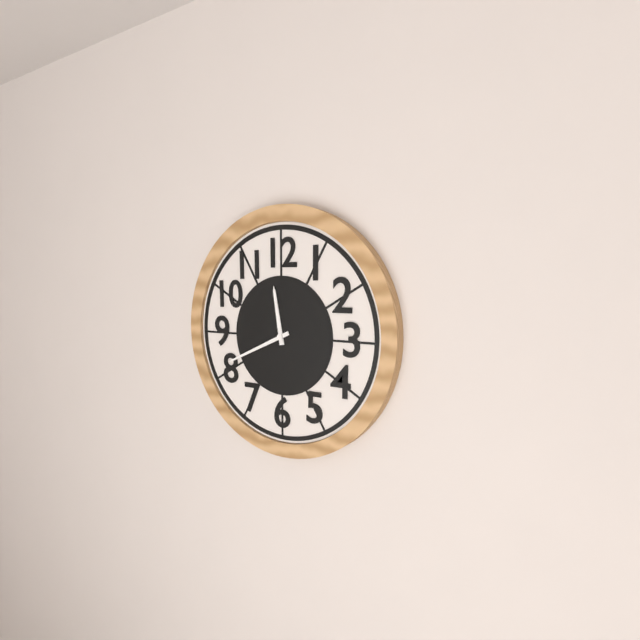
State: h=11 m=41
